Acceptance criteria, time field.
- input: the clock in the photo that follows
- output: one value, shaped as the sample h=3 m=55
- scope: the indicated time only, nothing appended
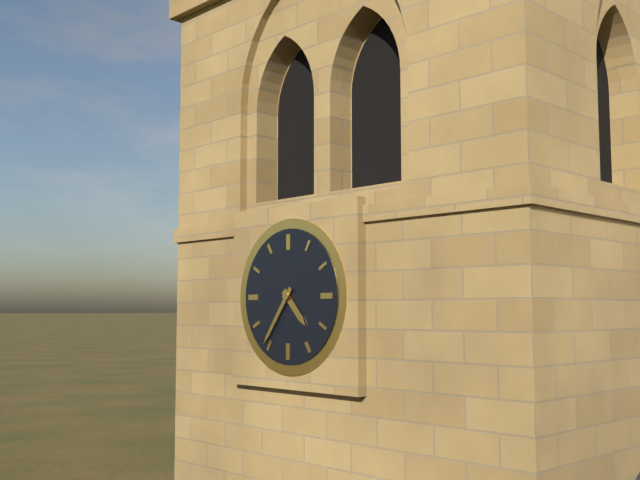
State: h=4 m=36
